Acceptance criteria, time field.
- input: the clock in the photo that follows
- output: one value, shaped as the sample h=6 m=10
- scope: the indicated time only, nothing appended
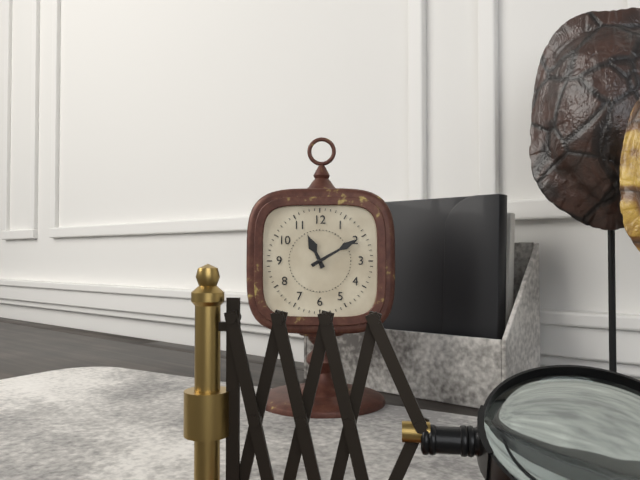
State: h=11 m=10
